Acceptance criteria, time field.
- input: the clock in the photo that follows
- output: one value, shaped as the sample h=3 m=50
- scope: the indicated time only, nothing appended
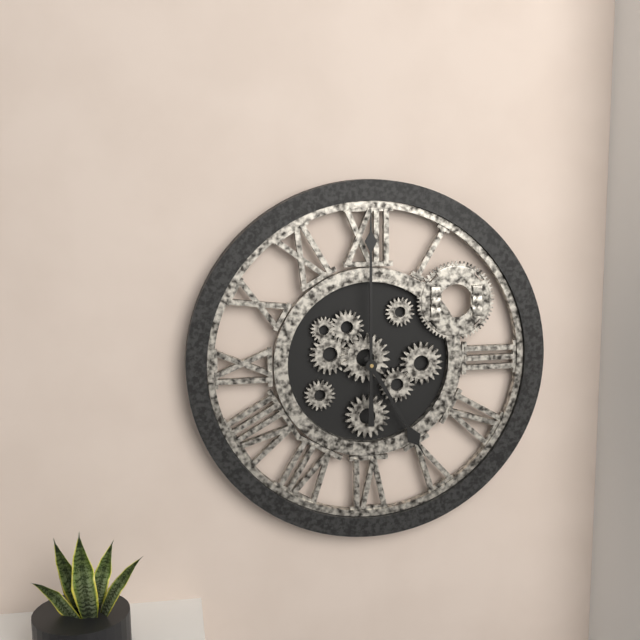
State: h=5 m=0
